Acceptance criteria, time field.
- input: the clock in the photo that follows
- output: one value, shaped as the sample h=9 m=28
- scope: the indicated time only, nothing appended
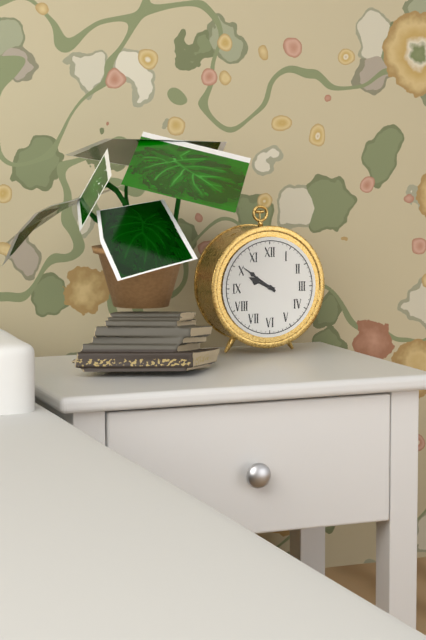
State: h=9 m=51
